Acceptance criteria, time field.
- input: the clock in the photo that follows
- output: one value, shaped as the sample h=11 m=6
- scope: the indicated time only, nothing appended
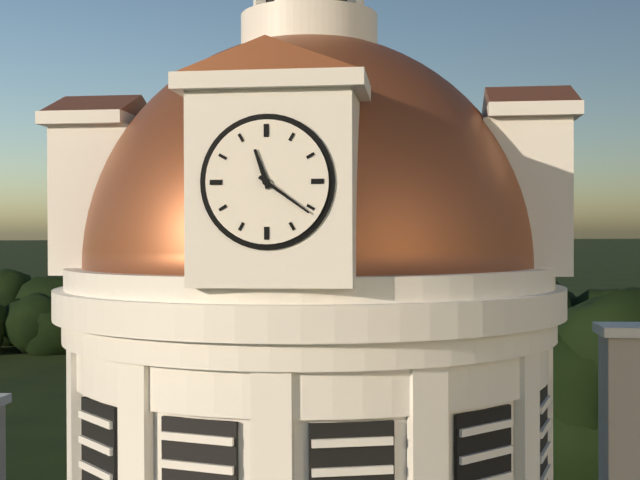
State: h=11 m=21
